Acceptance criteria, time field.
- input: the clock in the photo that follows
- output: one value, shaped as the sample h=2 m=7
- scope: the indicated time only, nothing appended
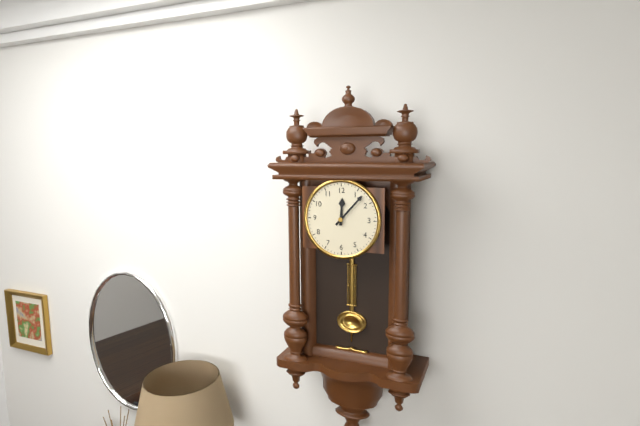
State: h=12 m=7
